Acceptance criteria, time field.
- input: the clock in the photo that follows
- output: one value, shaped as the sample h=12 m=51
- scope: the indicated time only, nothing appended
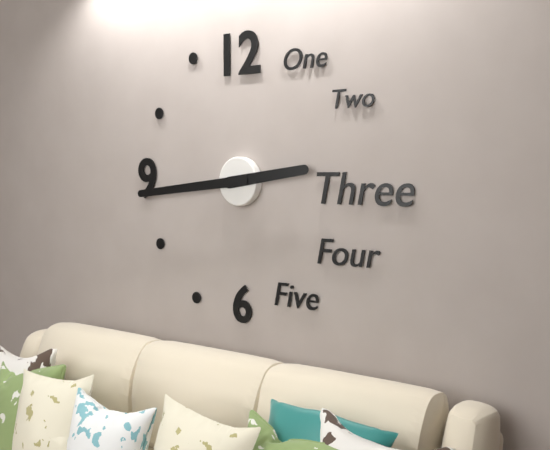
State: h=2 m=44
